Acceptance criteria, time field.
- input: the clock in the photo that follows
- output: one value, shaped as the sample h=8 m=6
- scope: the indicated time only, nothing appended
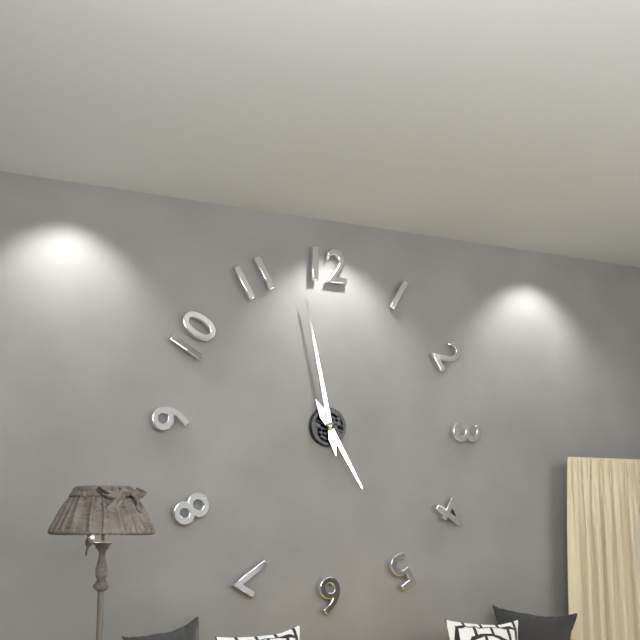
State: h=4 m=58
